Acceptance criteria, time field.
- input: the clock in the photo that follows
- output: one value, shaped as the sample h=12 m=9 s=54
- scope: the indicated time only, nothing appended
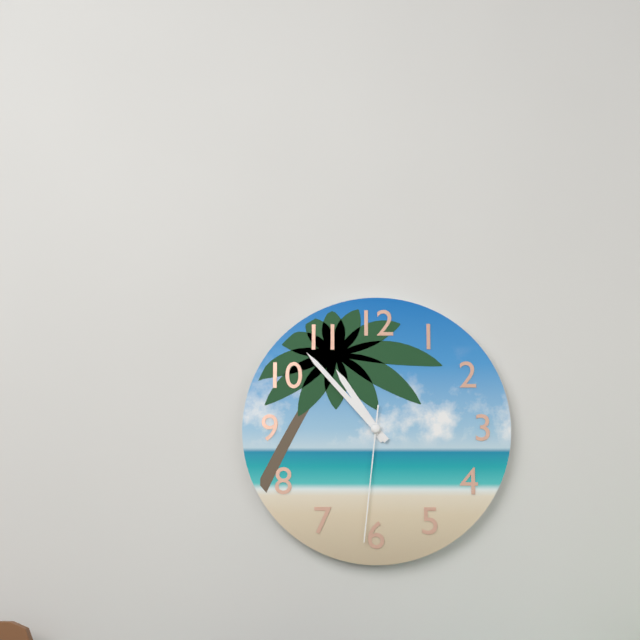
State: h=10 m=53 s=31
